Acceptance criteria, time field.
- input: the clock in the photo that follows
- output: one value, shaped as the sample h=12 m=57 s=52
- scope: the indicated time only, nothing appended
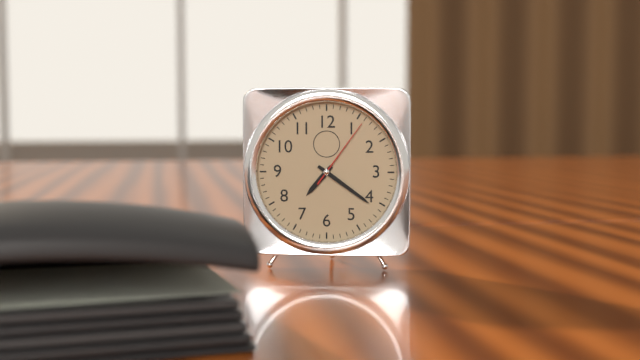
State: h=7 m=21 s=6
